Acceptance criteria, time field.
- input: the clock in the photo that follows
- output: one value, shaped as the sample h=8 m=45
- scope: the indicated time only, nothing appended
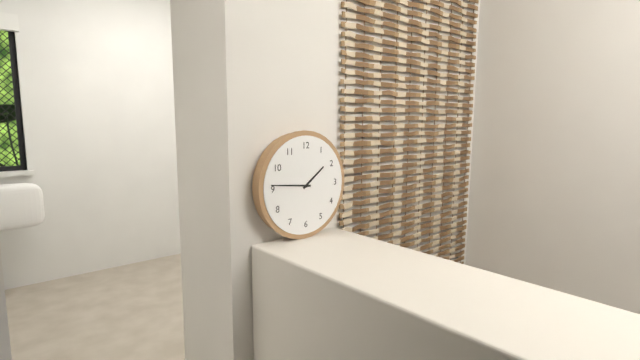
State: h=1 m=46
